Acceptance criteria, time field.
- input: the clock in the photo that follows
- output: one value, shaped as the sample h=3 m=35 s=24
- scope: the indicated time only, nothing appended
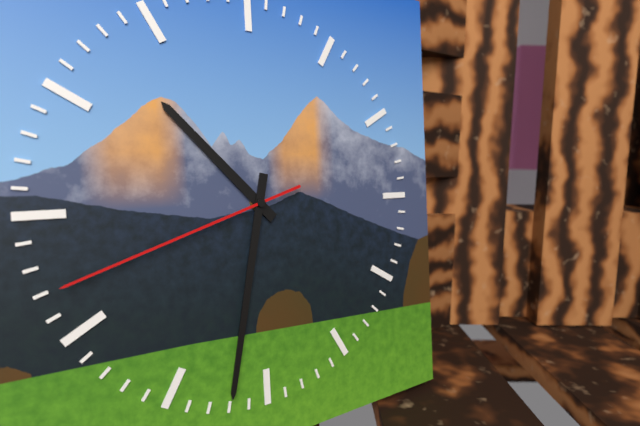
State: h=10 m=32 s=42
